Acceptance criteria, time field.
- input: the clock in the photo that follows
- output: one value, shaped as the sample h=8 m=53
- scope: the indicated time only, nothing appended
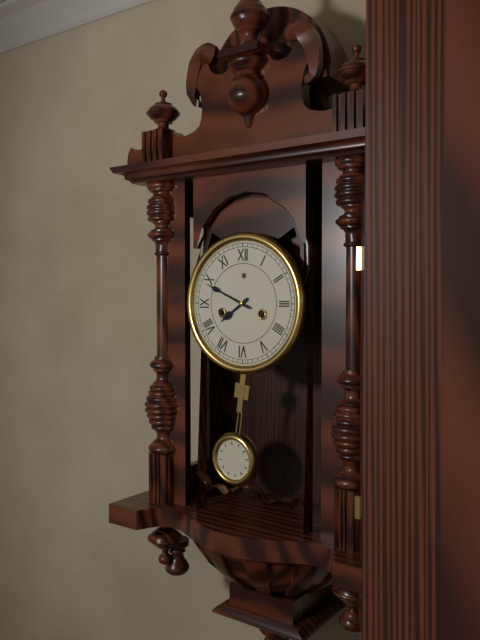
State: h=7 m=49
